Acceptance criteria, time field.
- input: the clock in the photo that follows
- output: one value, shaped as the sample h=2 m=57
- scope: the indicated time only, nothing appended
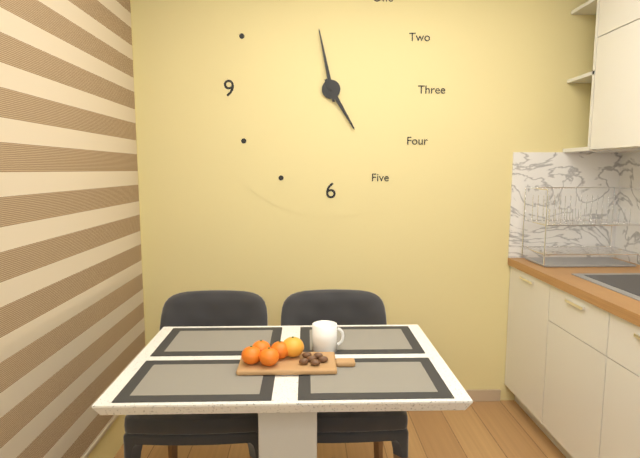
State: h=4 m=58
